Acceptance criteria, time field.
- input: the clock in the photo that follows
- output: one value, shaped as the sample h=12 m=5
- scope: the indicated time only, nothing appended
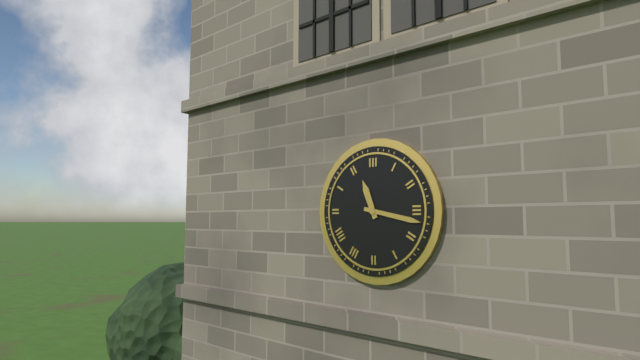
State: h=11 m=17
